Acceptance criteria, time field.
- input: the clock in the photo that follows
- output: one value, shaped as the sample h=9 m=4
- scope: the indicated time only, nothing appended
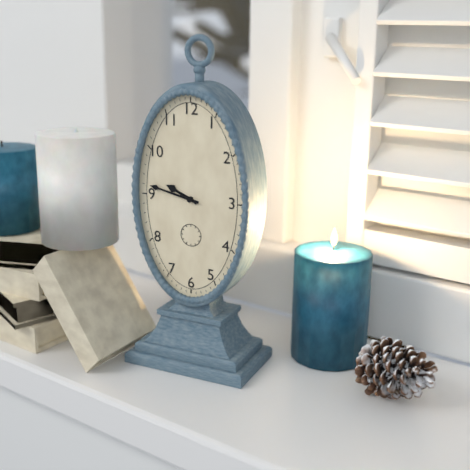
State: h=9 m=47
